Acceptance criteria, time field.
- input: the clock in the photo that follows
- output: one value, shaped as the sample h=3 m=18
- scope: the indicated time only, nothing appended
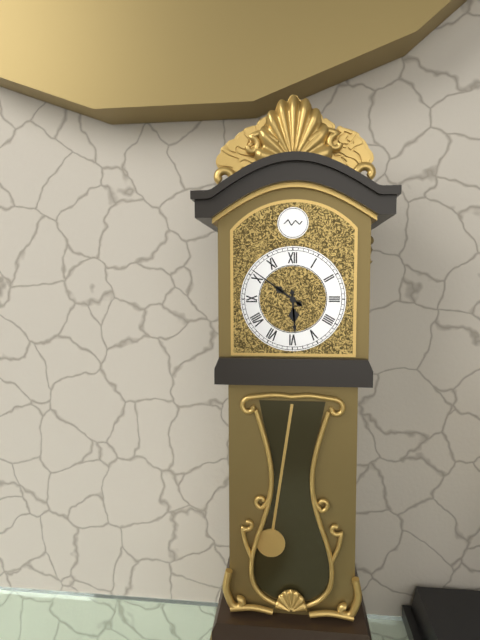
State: h=5 m=51
